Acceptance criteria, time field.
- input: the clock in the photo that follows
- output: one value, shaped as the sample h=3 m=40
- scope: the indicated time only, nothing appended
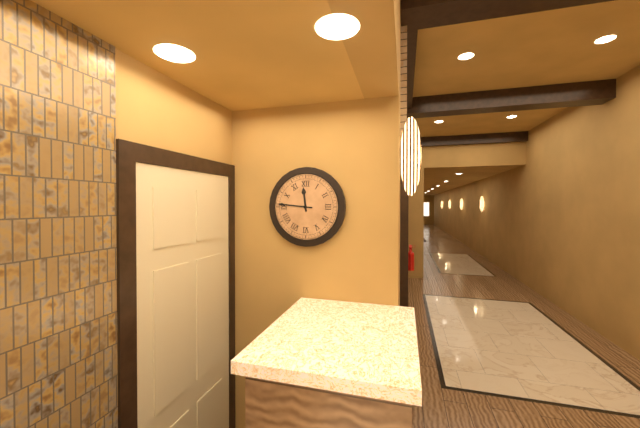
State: h=11 m=46
